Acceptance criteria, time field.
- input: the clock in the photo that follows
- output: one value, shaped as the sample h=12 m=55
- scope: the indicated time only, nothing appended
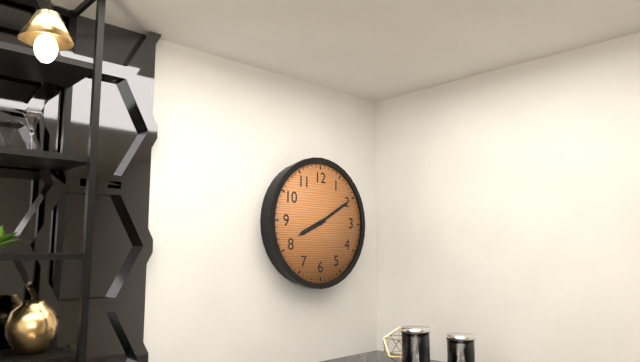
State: h=8 m=10
